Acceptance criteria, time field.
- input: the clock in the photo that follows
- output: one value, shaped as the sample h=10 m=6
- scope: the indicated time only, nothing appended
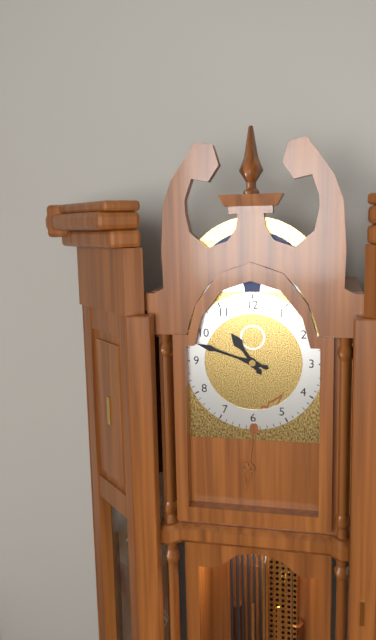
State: h=10 m=48
